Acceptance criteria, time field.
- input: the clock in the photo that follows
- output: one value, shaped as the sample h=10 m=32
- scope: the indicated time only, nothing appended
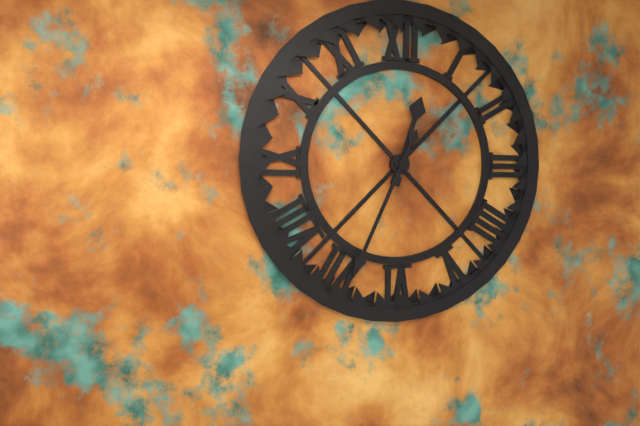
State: h=12 m=34
